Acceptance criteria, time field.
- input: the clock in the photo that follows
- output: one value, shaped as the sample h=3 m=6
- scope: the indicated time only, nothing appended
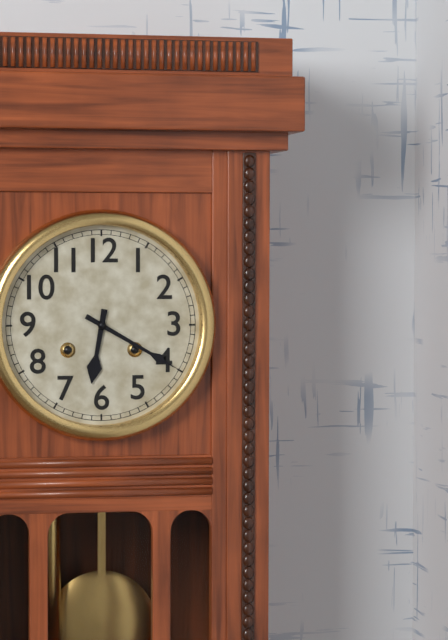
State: h=6 m=20
